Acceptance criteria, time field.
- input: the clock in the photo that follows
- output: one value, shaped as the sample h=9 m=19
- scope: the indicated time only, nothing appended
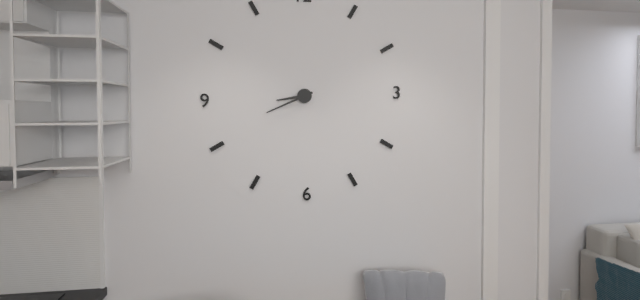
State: h=8 m=41
